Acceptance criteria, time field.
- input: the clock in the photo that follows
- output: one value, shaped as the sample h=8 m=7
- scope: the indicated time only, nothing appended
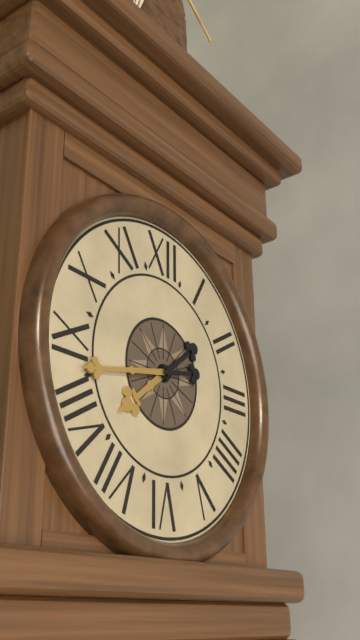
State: h=7 m=43
